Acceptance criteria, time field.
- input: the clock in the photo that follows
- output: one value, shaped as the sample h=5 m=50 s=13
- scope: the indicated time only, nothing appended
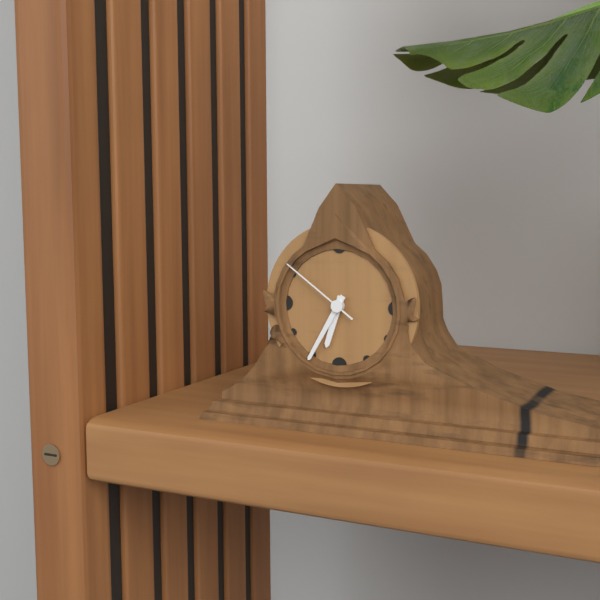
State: h=6 m=35 s=51
